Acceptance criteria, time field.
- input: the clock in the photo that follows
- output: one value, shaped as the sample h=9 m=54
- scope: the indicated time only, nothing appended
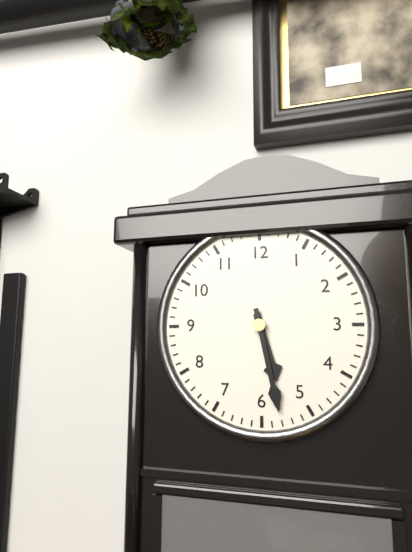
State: h=5 m=28
